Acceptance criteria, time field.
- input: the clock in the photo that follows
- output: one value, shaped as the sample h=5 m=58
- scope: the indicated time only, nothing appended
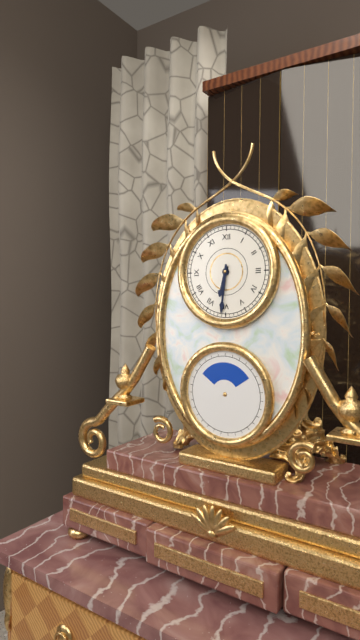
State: h=6 m=31
